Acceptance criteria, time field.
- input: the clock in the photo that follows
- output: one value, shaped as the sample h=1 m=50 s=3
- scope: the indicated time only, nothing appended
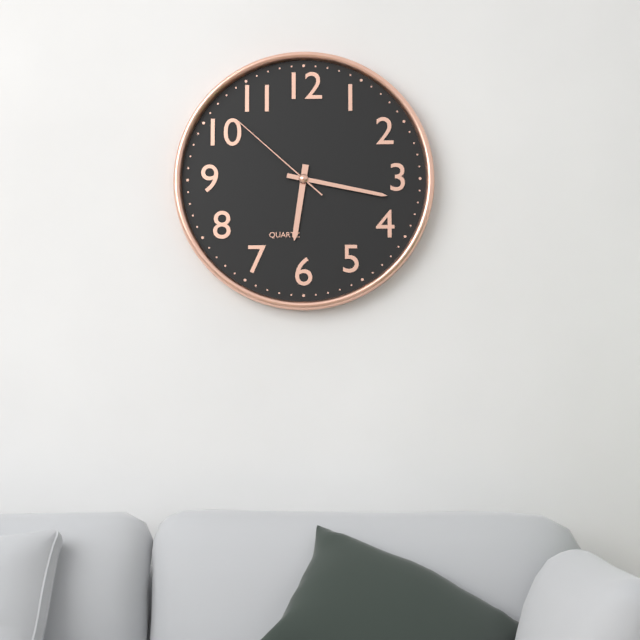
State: h=6 m=17 s=52
